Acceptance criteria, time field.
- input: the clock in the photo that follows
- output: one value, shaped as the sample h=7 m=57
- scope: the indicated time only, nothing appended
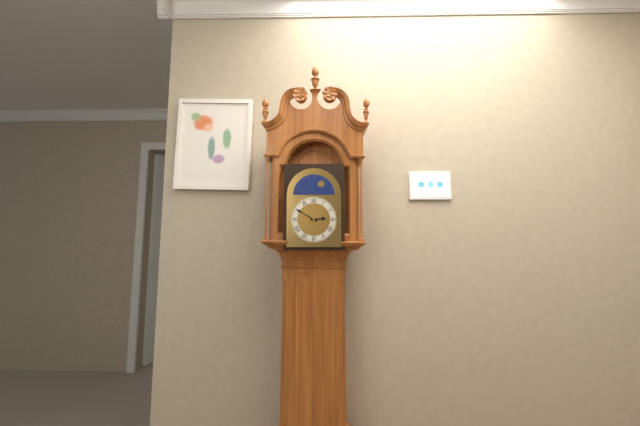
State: h=2 m=50
